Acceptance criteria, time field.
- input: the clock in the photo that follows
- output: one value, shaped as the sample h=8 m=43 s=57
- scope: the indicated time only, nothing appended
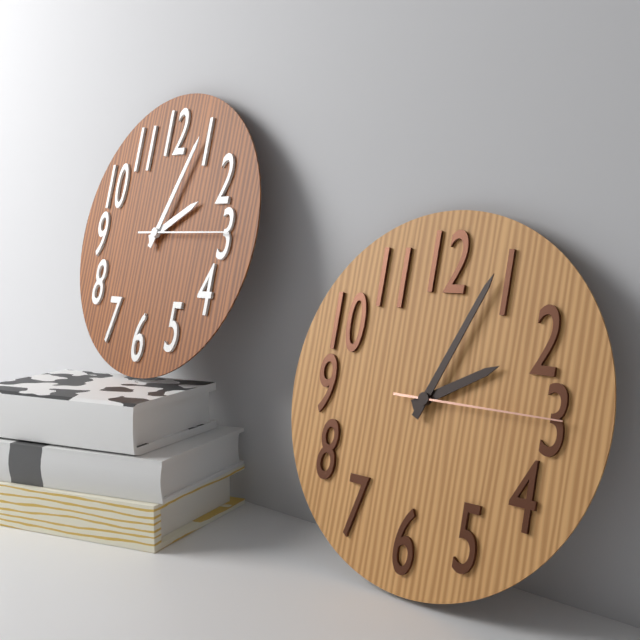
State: h=2 m=4 s=15
